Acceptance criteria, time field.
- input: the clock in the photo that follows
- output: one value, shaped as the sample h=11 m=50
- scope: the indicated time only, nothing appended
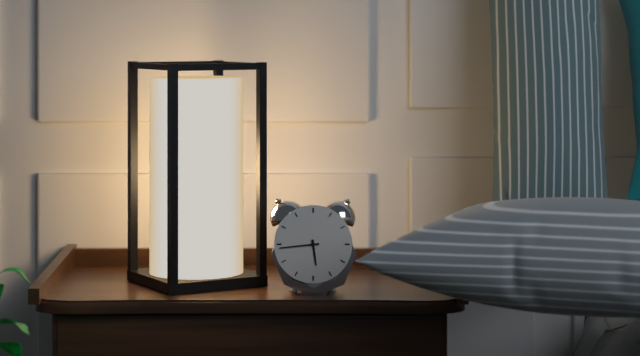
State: h=5 m=44
